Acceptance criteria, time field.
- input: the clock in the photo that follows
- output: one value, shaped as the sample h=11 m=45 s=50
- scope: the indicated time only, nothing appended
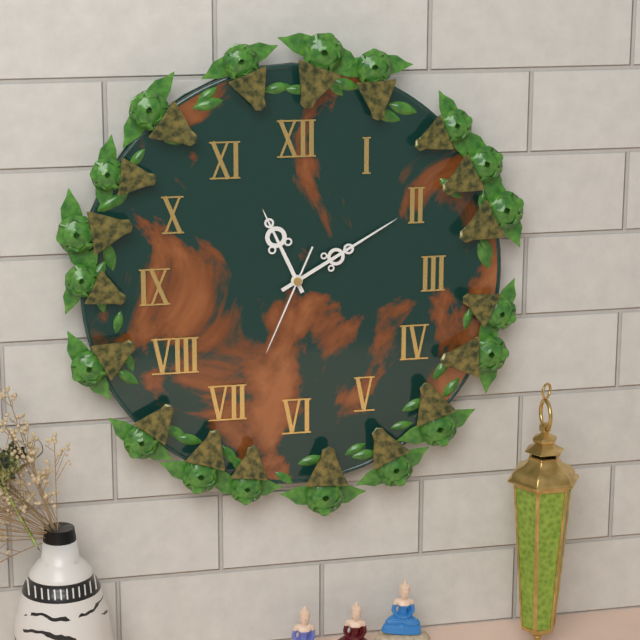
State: h=11 m=10 s=34
